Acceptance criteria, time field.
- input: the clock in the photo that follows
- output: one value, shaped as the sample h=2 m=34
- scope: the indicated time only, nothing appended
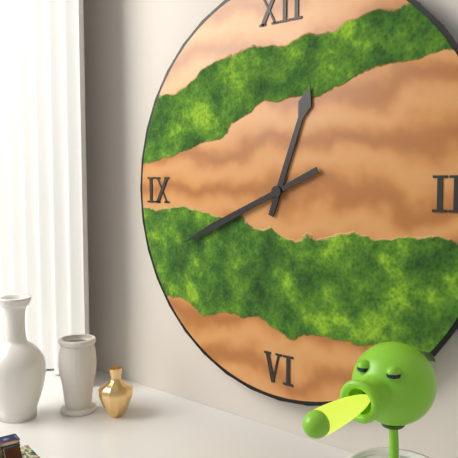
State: h=12 m=41
